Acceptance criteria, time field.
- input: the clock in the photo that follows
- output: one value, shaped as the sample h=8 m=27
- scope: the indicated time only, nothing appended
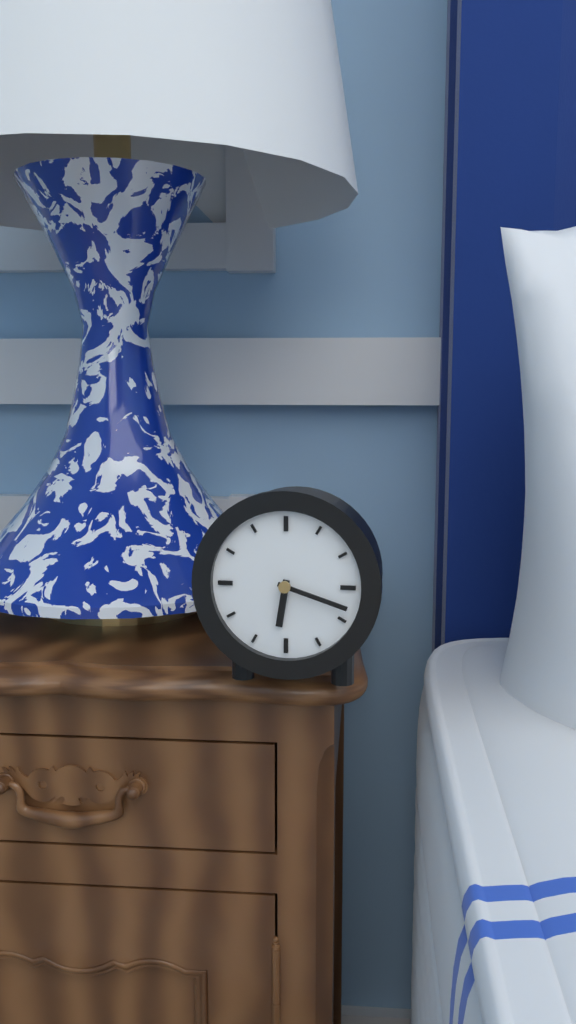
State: h=6 m=18
